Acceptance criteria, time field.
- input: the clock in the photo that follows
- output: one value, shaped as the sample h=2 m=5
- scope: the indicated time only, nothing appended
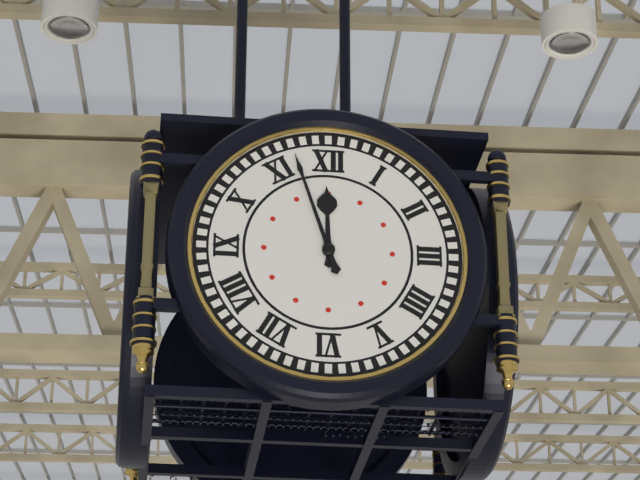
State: h=11 m=57
